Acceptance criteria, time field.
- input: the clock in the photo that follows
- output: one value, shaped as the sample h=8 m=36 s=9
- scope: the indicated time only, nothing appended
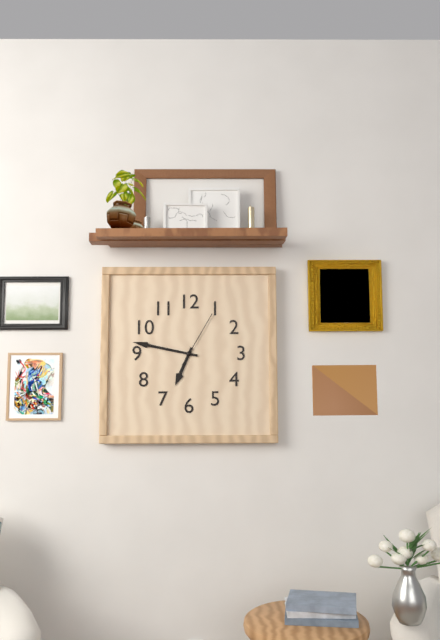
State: h=6 m=47 s=5
